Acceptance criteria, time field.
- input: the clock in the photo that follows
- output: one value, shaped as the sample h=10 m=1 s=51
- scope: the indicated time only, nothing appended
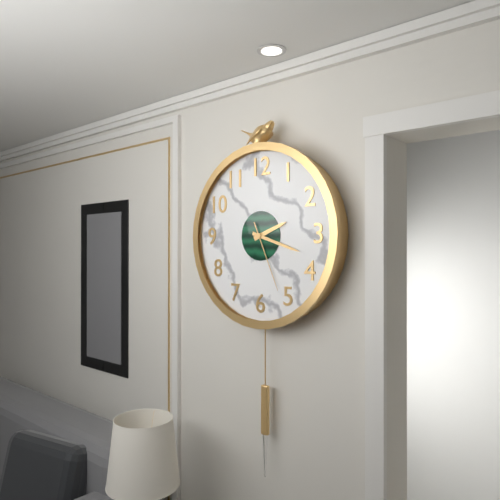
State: h=2 m=18 s=26
